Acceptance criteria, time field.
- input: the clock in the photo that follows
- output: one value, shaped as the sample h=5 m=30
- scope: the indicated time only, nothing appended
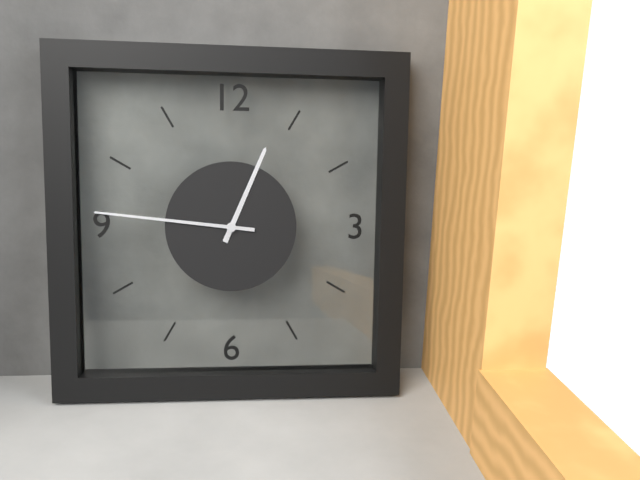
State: h=12 m=46
